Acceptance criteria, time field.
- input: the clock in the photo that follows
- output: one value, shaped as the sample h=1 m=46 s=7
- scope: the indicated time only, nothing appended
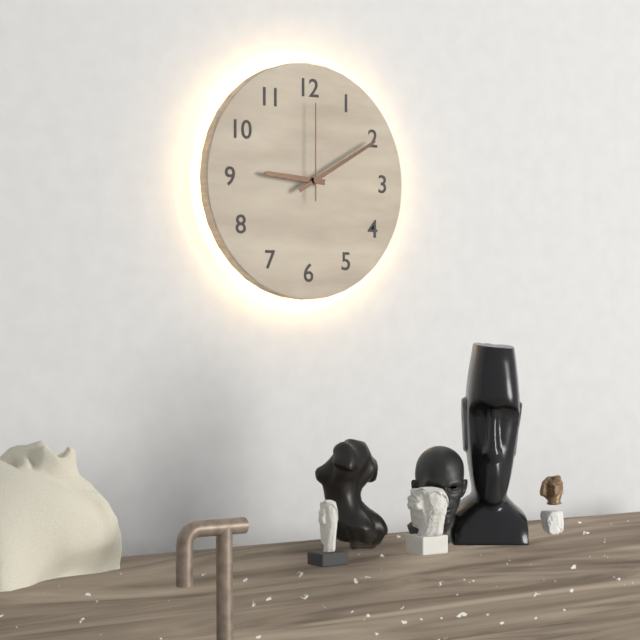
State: h=9 m=10 s=0
